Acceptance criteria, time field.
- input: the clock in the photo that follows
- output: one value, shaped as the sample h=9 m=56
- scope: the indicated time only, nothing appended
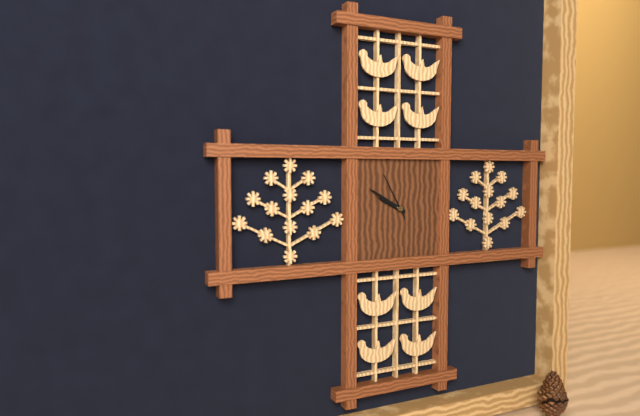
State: h=9 m=50
